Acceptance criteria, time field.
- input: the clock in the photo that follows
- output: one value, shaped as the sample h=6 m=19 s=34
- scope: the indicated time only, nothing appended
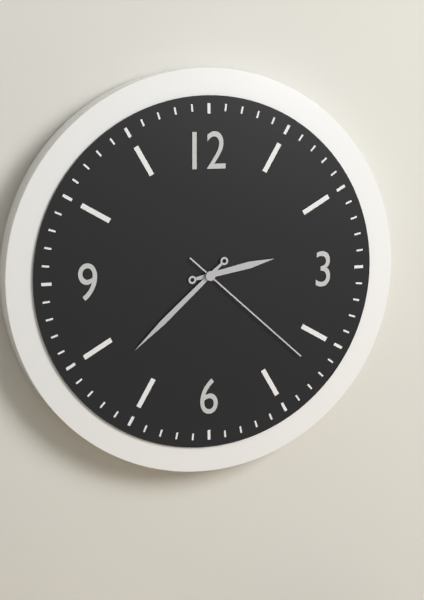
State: h=2 m=38 s=22
